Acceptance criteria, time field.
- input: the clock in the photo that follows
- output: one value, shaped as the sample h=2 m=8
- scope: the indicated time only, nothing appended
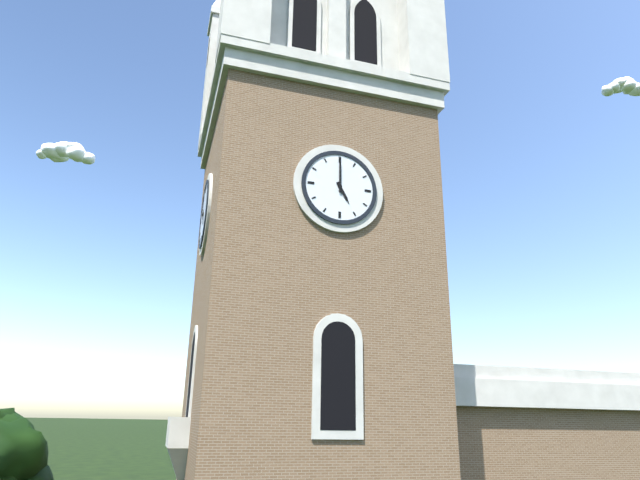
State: h=5 m=0
